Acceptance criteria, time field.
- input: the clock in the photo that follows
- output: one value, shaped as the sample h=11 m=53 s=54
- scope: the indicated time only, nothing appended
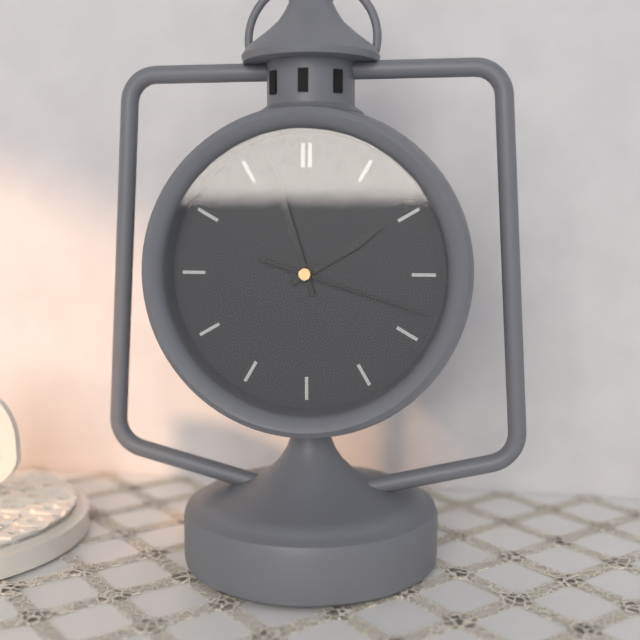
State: h=1 m=57 s=18
